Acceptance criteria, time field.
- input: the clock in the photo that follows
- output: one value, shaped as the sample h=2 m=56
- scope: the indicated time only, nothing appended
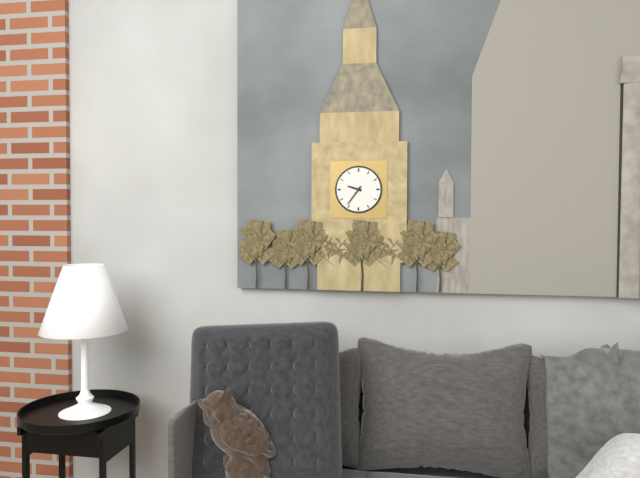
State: h=9 m=36
